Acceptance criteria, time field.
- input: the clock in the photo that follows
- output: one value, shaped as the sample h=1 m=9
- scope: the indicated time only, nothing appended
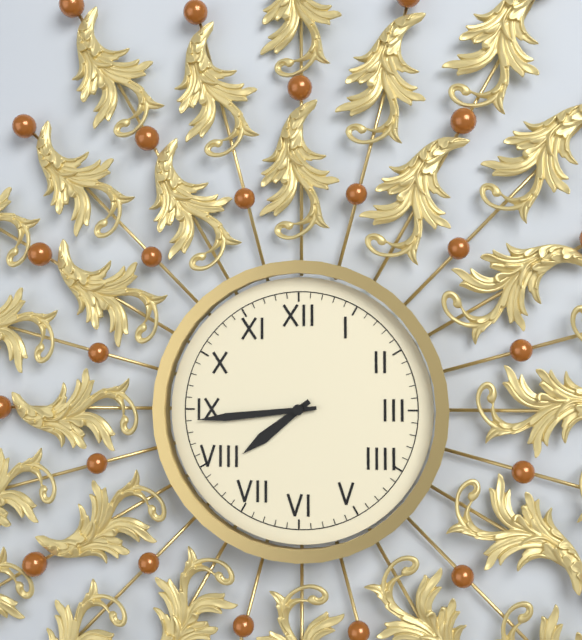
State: h=7 m=44
